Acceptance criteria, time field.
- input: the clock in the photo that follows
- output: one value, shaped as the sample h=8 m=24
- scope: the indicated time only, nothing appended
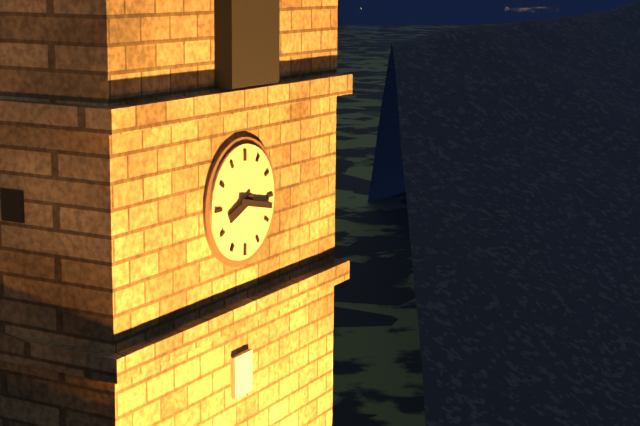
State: h=8 m=17
